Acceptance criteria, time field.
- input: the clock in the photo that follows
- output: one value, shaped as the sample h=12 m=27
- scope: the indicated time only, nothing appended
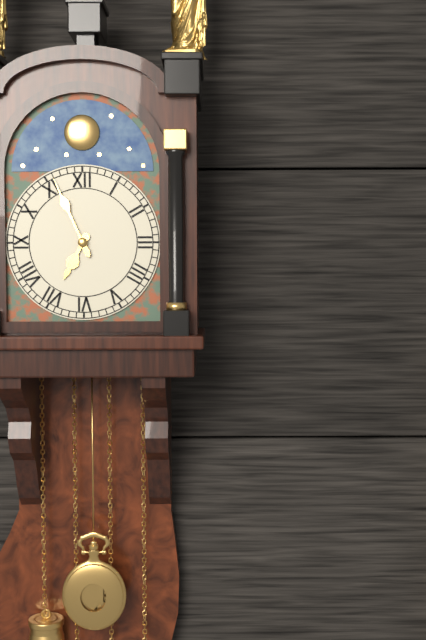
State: h=6 m=56
